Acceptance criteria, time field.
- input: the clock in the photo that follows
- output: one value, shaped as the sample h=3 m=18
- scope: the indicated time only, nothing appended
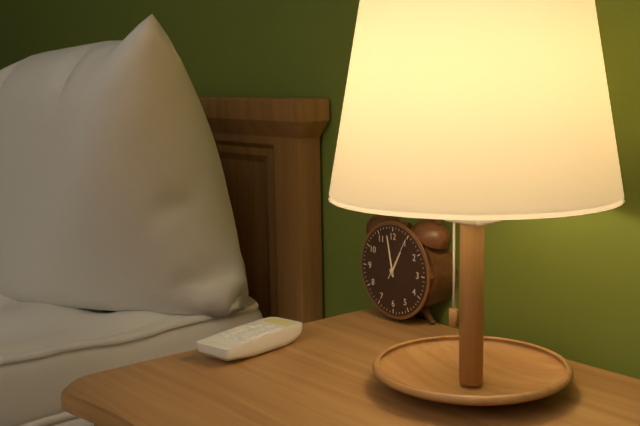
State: h=12 m=58
